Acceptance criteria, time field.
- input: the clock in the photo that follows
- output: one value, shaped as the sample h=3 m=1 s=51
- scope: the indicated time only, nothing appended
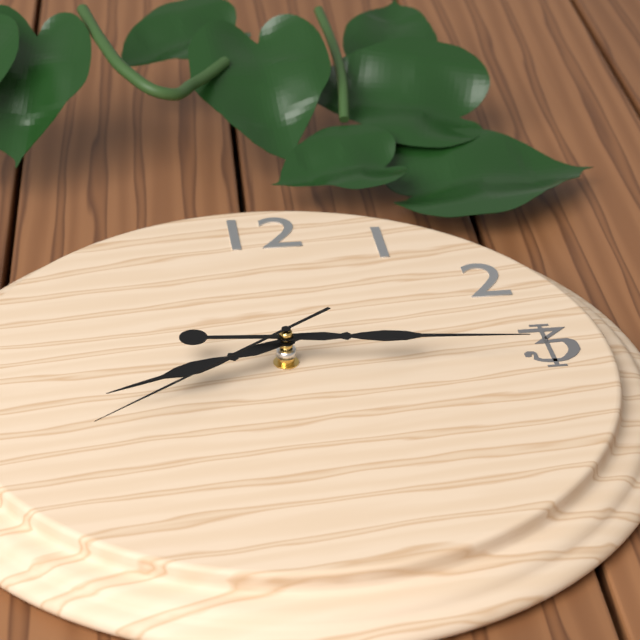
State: h=8 m=16 s=39
